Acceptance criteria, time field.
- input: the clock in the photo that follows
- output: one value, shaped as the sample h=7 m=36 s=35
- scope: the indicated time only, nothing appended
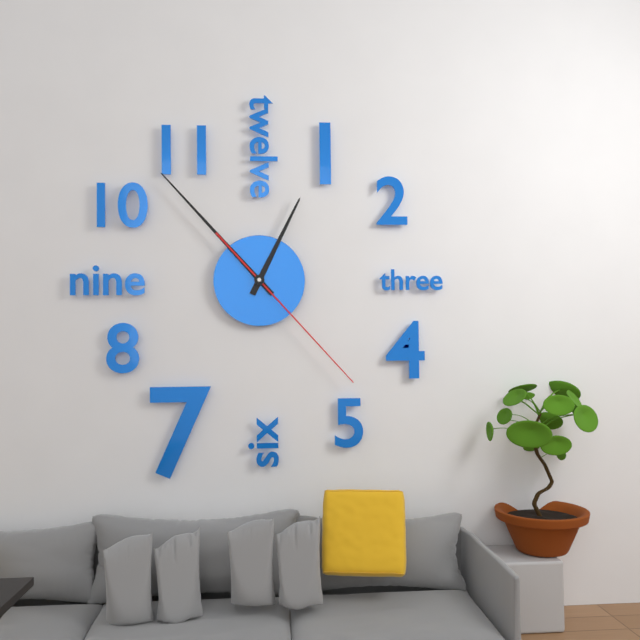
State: h=12 m=53 s=23
